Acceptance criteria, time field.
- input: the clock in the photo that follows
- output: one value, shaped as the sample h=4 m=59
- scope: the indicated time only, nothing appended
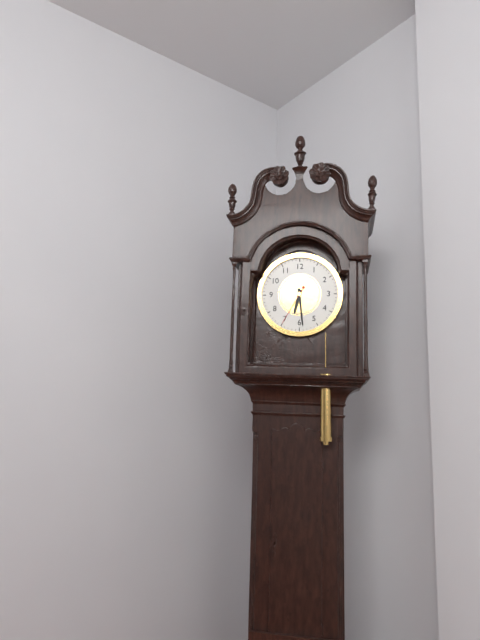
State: h=6 m=29
